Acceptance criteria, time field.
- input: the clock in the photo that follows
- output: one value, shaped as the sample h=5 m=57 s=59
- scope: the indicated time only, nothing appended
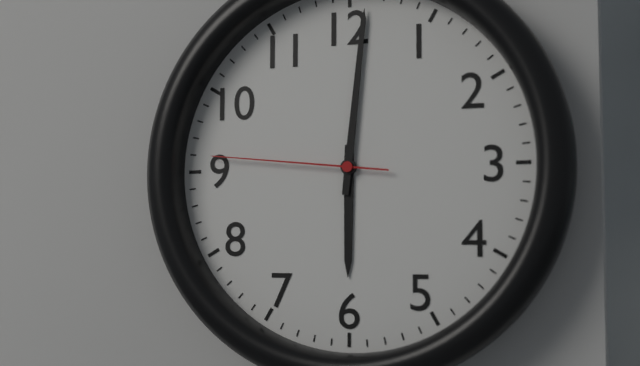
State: h=6 m=1 s=46
